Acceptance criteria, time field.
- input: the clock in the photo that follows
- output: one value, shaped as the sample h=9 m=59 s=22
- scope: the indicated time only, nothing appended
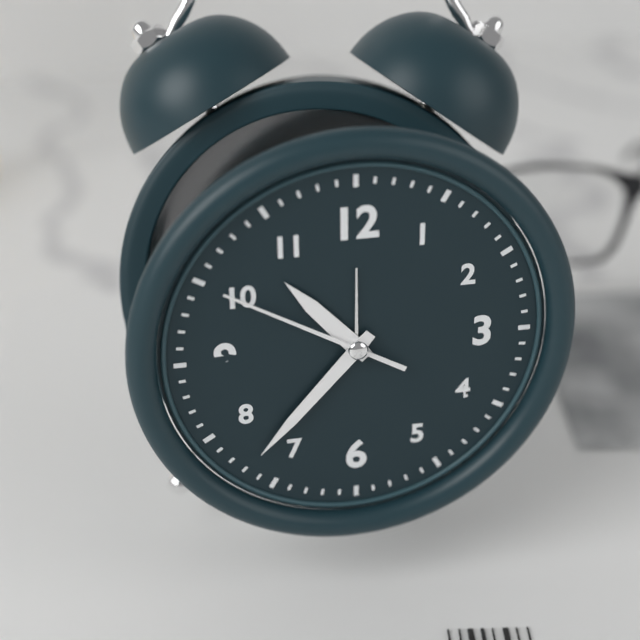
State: h=10 m=37 s=50
